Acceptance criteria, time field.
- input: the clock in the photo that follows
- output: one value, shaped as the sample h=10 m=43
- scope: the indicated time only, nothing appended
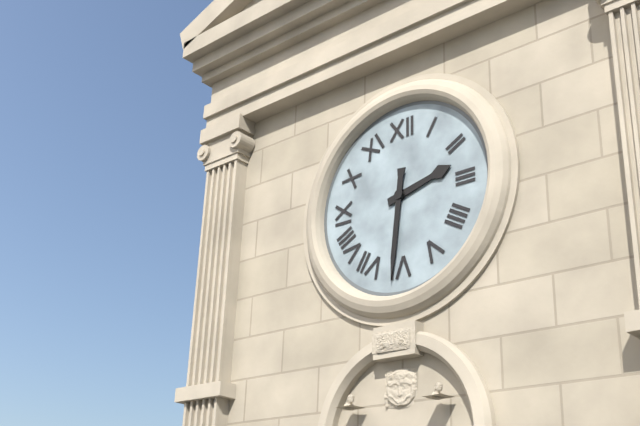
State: h=2 m=31
